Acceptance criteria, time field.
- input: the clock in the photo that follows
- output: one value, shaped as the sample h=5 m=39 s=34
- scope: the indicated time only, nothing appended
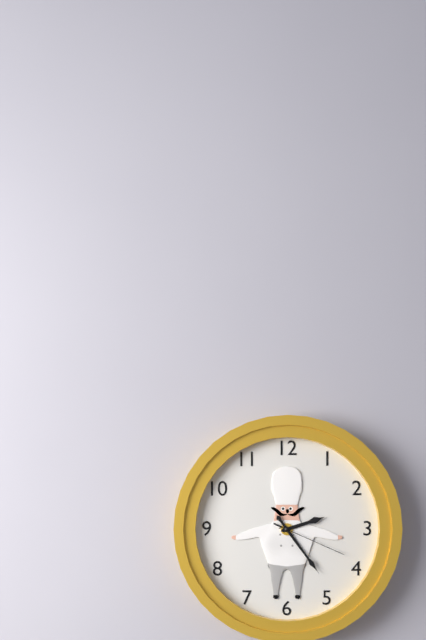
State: h=2 m=24 s=19
